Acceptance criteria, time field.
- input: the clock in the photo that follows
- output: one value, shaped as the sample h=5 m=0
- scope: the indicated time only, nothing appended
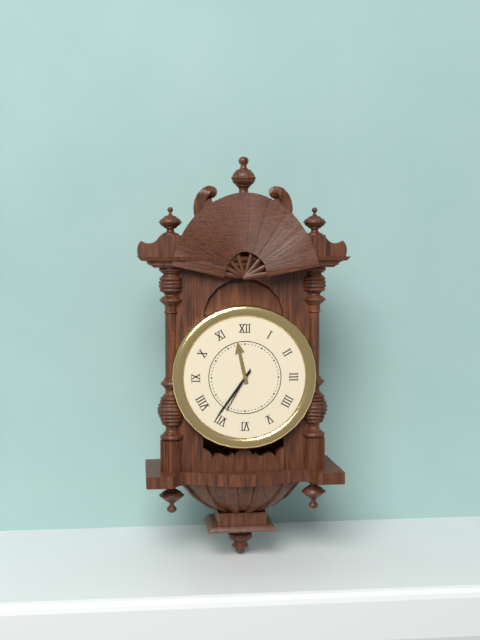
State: h=11 m=36
